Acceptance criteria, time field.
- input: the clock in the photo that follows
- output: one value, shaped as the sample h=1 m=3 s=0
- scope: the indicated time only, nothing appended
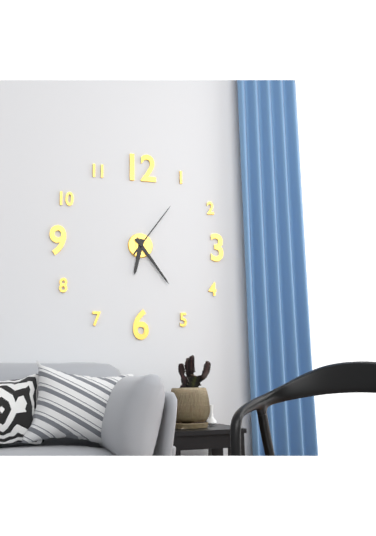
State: h=6 m=24 s=6
